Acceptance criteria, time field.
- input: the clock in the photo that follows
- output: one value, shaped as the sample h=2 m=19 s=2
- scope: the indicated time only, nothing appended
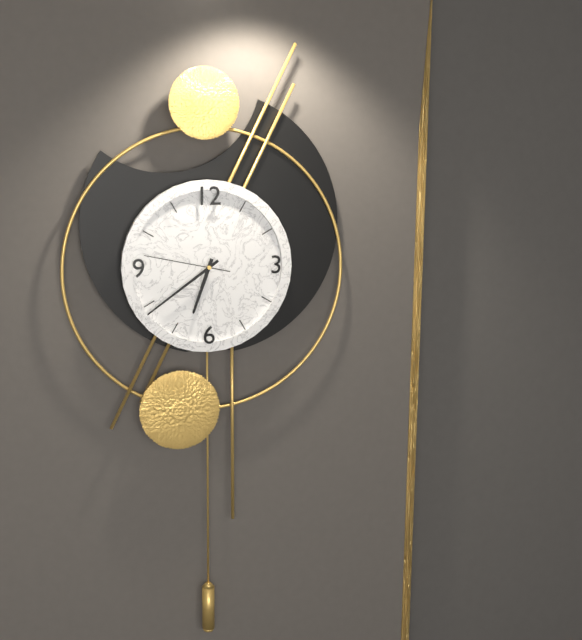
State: h=6 m=39 s=47
